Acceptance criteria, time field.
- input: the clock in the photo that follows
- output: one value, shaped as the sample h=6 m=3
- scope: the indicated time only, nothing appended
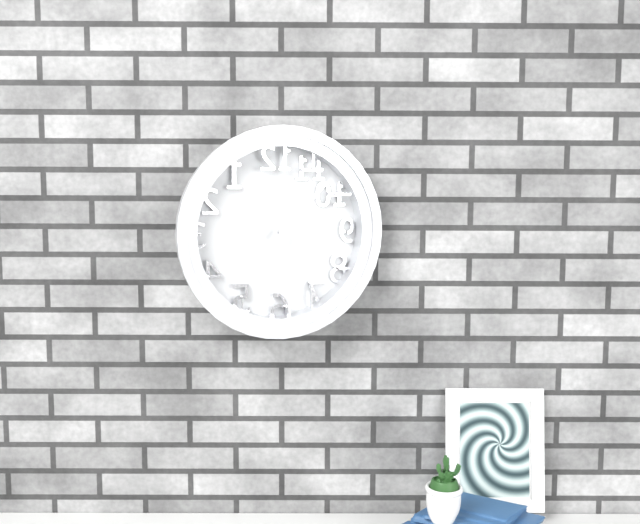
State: h=1 m=29
